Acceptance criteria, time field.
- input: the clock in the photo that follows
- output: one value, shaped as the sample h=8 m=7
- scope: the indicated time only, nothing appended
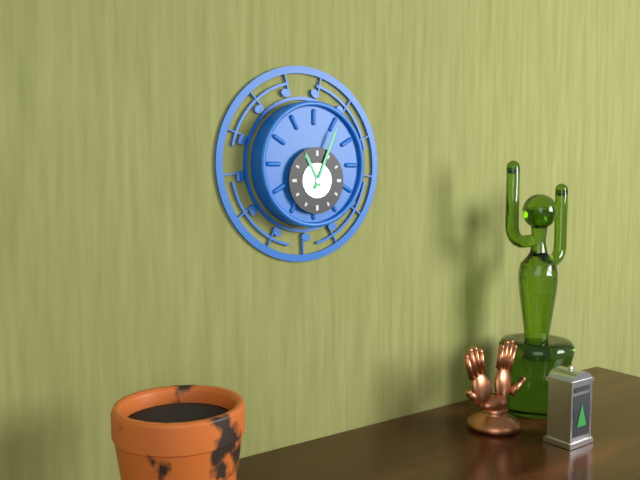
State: h=11 m=4
